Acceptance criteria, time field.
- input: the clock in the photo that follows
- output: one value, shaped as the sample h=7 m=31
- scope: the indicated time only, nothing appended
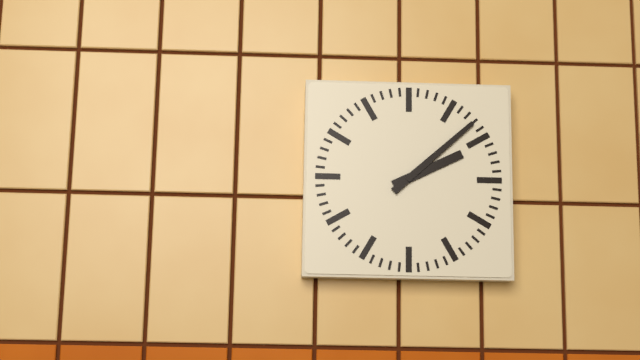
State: h=2 m=8
